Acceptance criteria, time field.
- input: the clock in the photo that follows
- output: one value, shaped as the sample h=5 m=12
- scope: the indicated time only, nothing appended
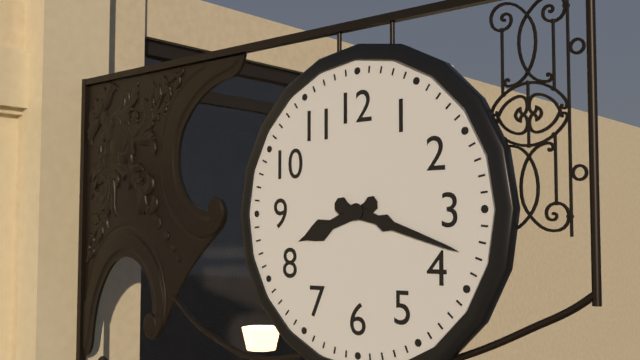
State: h=8 m=18
